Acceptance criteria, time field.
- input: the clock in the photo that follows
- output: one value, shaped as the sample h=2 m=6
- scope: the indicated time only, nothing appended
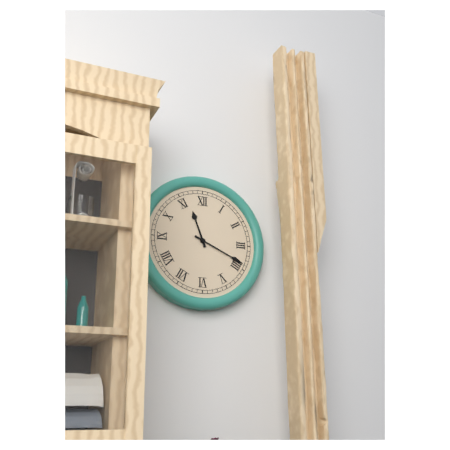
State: h=11 m=19
